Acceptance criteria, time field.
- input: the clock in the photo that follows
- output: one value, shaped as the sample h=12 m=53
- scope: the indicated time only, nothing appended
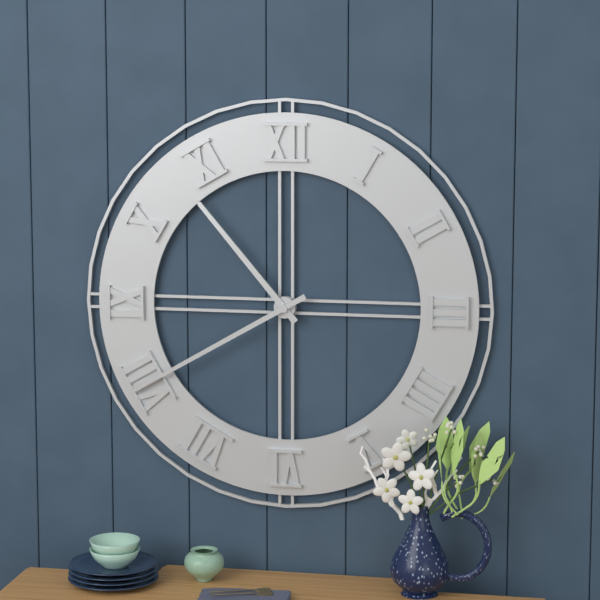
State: h=10 m=40
